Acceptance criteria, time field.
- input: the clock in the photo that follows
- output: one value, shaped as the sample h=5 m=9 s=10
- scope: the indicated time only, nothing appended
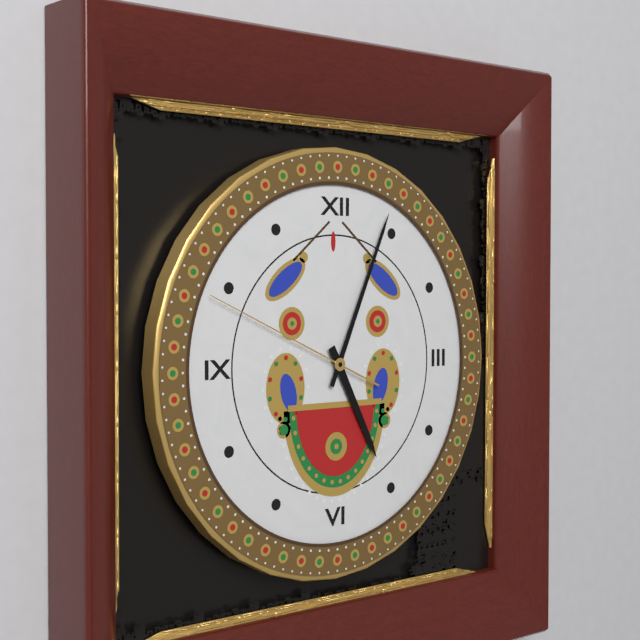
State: h=5 m=4 s=49
